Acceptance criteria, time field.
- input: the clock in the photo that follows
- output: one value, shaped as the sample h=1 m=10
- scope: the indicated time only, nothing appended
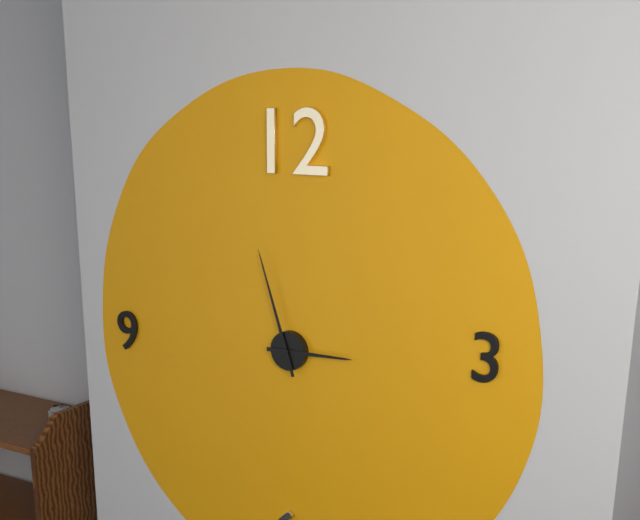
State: h=2 m=57
